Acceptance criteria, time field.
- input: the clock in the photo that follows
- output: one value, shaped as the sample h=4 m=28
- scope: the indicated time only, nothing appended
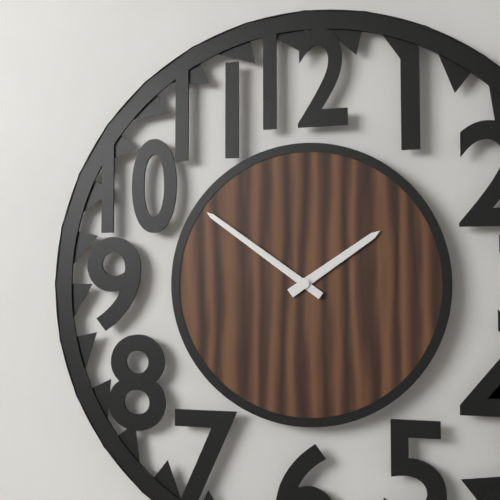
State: h=1 m=51
